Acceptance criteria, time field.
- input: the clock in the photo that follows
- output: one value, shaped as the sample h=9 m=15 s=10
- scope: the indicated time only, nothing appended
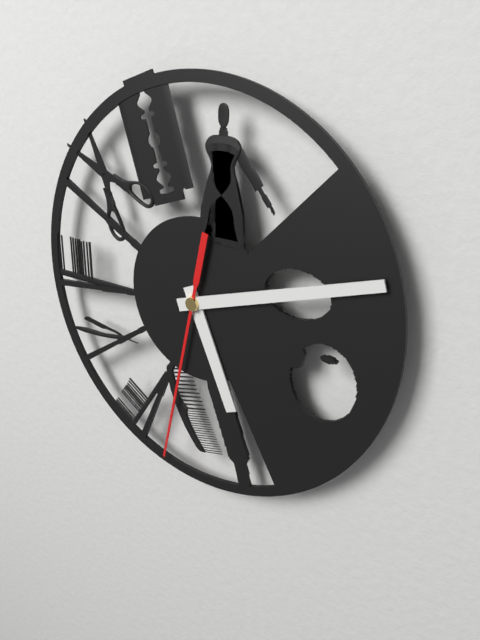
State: h=5 m=12 s=32
